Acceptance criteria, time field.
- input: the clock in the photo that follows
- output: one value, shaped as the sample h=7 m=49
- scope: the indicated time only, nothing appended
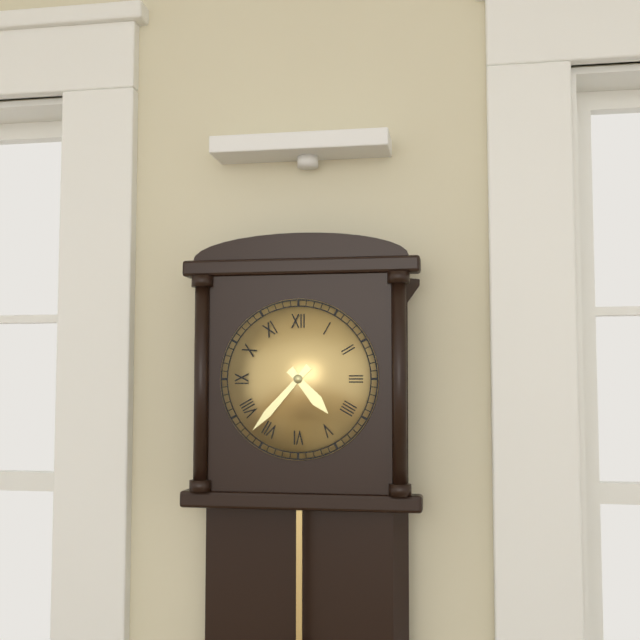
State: h=4 m=37
